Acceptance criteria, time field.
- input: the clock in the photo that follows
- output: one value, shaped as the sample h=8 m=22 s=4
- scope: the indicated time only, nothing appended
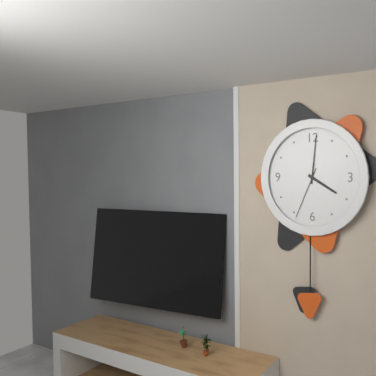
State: h=4 m=1 s=34
